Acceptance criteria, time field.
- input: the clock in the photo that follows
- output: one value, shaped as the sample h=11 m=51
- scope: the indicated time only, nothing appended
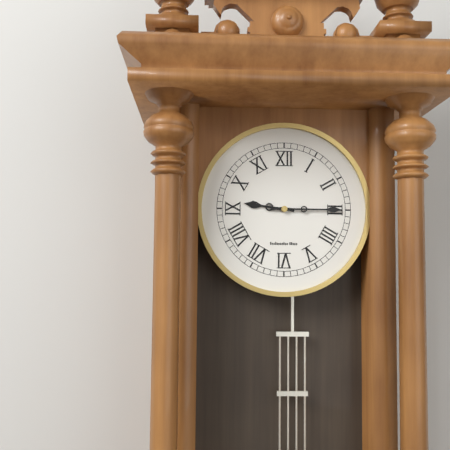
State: h=9 m=15
